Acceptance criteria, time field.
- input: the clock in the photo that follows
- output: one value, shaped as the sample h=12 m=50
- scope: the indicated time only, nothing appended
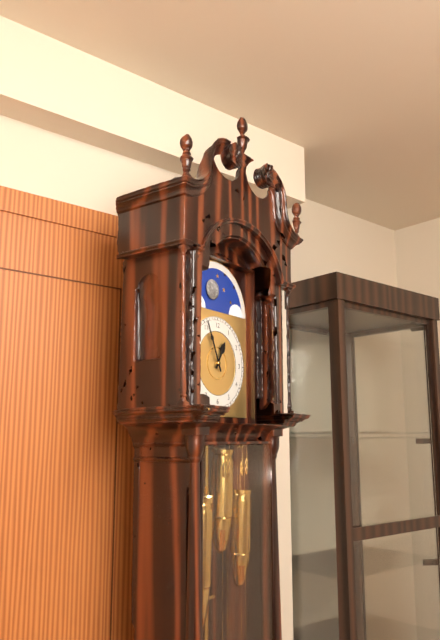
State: h=12 m=56
